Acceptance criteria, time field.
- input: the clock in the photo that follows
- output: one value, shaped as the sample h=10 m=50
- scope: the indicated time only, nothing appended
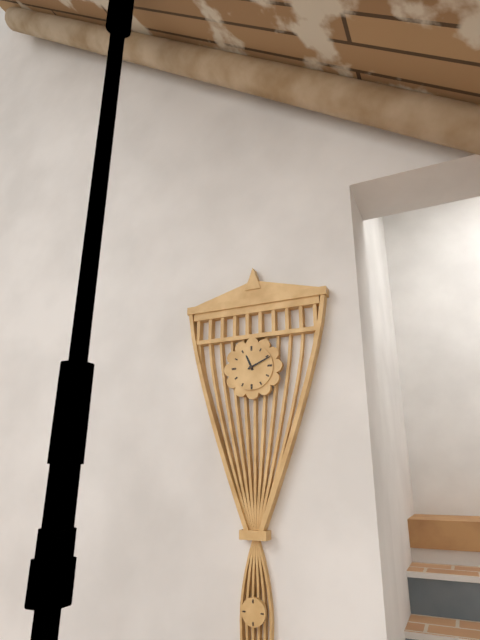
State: h=11 m=11
